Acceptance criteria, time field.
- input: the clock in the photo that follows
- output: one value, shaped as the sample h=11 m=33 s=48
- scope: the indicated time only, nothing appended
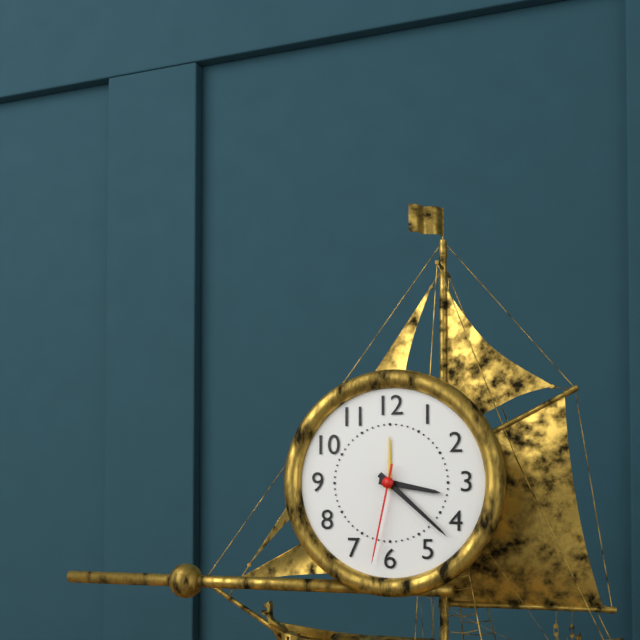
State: h=3 m=22 s=32
